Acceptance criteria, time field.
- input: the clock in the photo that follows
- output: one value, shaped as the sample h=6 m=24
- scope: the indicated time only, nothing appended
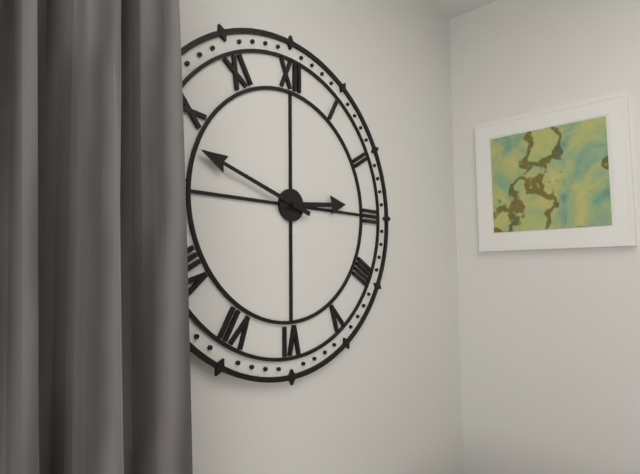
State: h=2 m=48
